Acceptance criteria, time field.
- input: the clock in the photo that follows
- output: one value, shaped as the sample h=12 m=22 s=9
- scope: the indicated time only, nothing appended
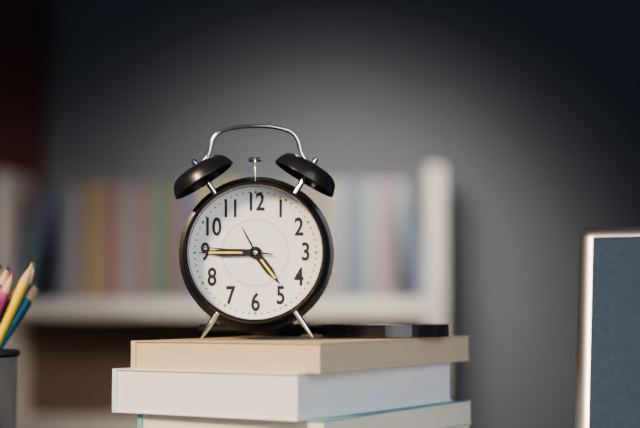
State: h=4 m=45 s=46
